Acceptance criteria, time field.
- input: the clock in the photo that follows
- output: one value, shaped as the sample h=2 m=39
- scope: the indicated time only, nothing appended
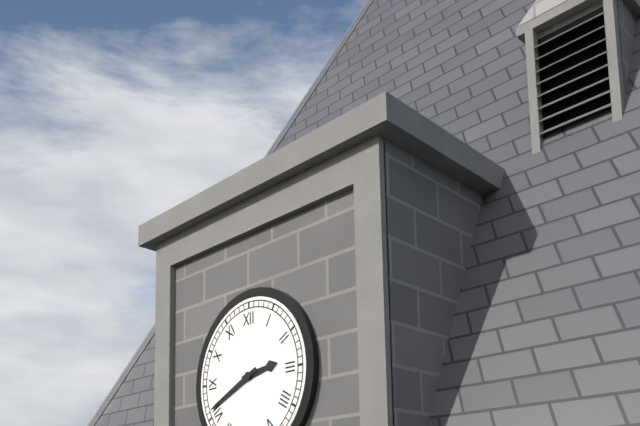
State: h=2 m=41
